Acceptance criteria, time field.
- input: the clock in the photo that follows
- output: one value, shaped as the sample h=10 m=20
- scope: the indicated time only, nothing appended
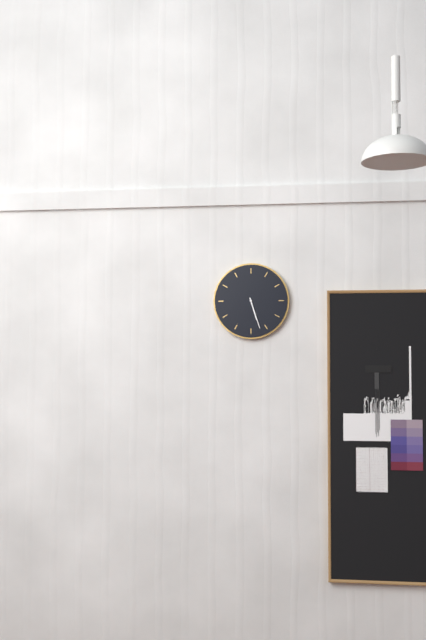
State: h=5 m=27
